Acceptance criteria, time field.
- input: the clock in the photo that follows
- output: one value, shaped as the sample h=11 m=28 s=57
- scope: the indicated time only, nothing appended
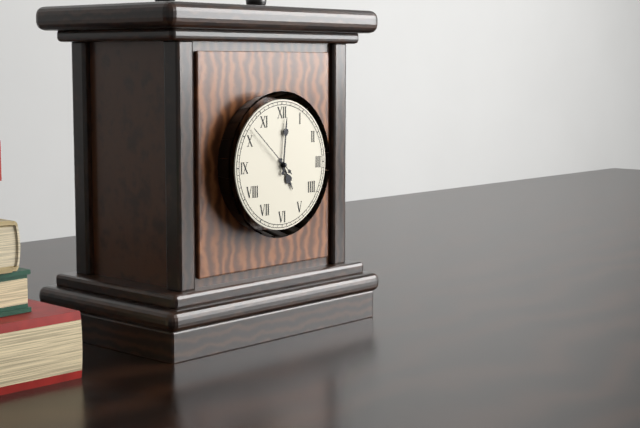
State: h=5 m=1 s=52
